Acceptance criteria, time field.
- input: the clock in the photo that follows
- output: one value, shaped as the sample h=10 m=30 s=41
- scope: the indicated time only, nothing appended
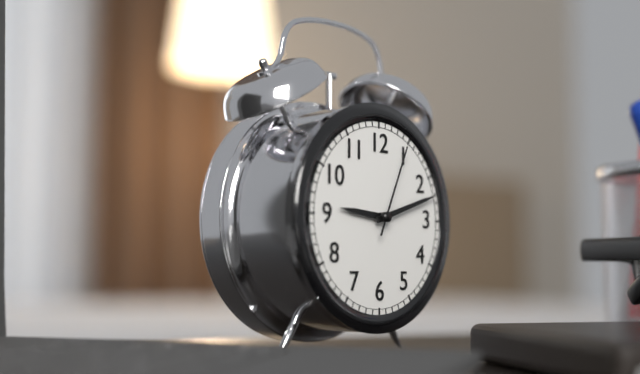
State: h=9 m=12 s=4
